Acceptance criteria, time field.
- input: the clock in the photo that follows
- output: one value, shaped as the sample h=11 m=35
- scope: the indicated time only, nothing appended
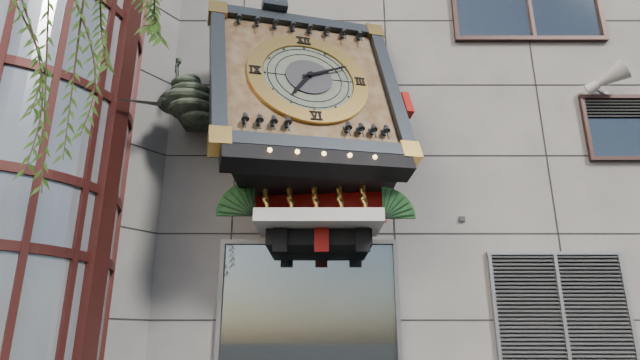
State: h=7 m=11
